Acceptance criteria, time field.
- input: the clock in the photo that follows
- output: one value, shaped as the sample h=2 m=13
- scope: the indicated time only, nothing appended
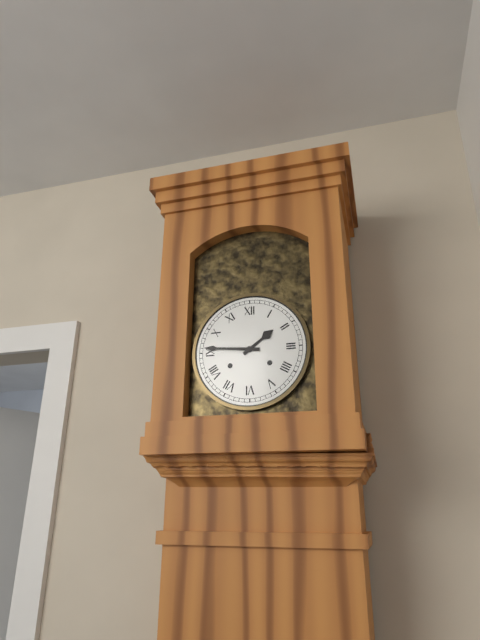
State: h=1 m=46
